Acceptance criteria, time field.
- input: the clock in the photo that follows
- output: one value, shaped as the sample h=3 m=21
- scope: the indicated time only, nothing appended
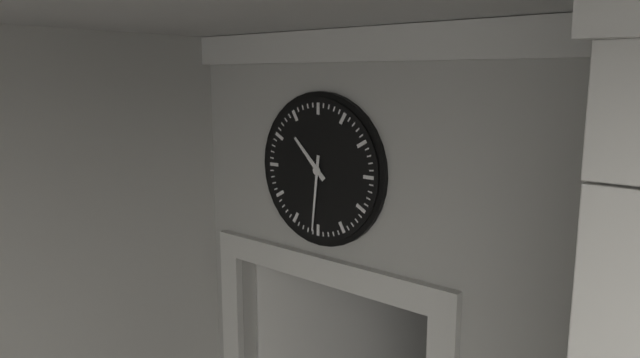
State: h=10 m=31
